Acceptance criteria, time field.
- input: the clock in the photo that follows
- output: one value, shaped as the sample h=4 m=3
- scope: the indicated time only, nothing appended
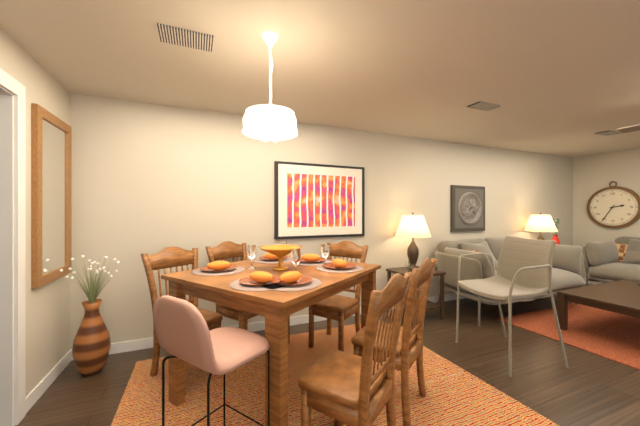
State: h=2 m=35
